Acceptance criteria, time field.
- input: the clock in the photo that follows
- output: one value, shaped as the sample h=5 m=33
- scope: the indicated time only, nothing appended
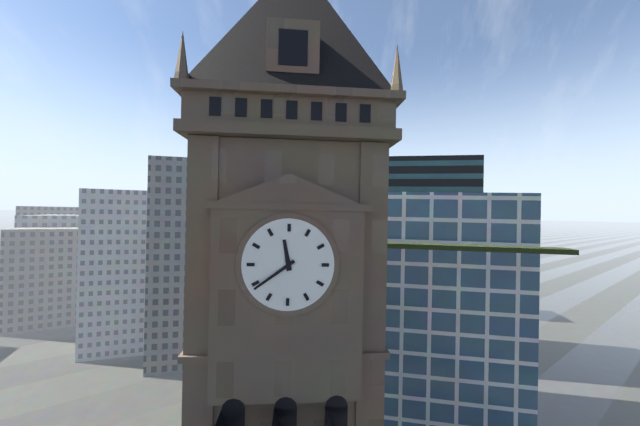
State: h=11 m=39
